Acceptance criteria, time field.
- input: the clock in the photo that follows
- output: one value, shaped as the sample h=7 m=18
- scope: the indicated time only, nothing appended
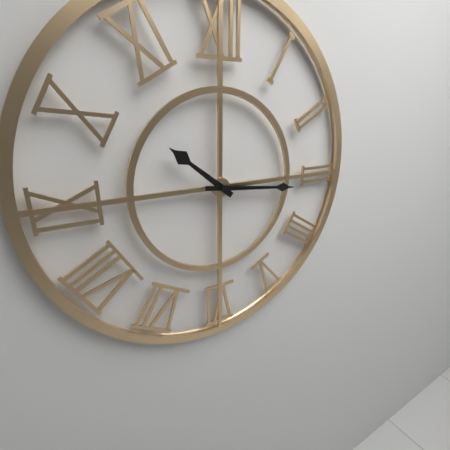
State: h=10 m=16
